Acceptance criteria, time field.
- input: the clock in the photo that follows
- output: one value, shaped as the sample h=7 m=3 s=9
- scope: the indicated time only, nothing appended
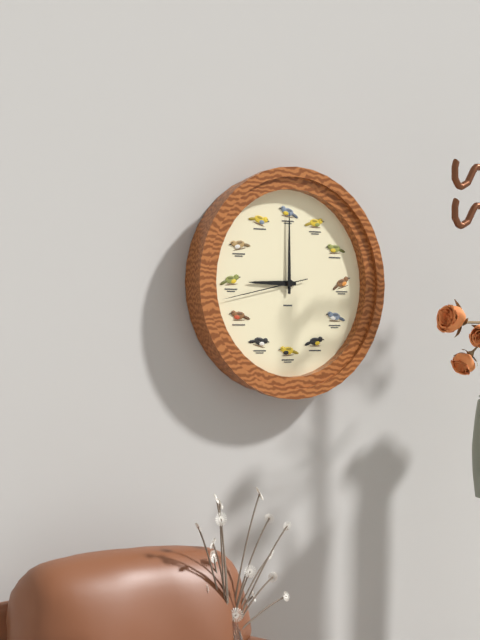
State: h=9 m=0 s=43
